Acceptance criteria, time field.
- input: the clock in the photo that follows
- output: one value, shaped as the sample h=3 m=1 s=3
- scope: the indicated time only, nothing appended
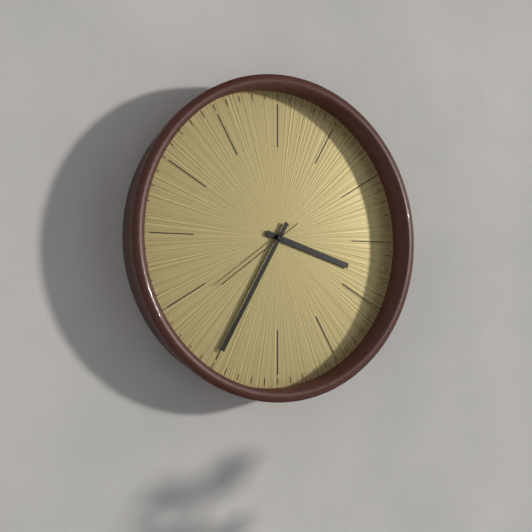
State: h=3 m=35 s=39
